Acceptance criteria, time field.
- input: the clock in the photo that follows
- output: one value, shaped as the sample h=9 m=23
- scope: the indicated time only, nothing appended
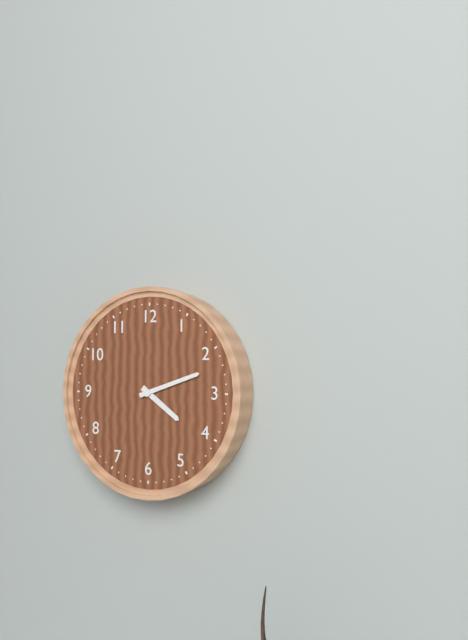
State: h=4 m=12
